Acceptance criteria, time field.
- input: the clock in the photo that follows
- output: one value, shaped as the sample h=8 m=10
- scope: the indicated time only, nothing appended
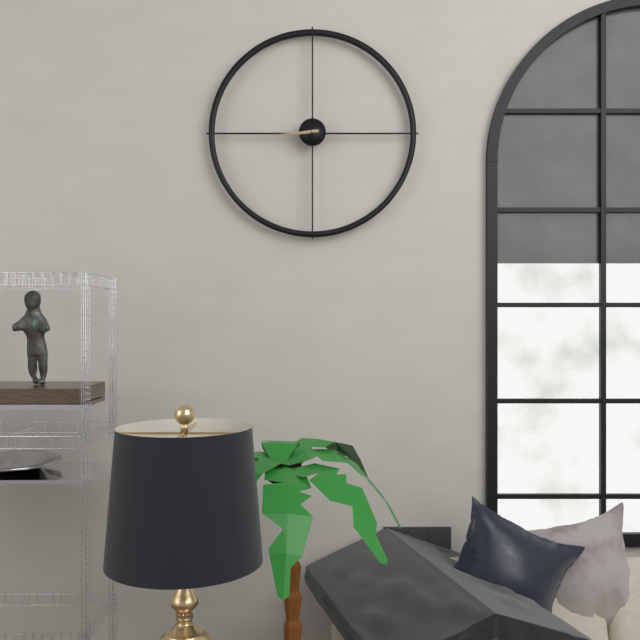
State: h=8 m=44
